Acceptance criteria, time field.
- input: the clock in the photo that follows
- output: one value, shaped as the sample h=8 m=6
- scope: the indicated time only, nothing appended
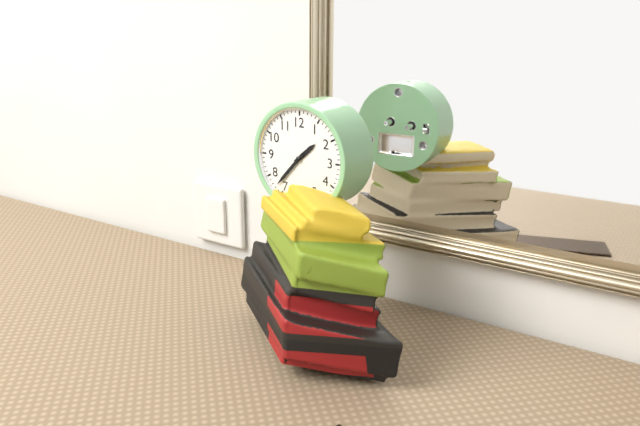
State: h=1 m=37
